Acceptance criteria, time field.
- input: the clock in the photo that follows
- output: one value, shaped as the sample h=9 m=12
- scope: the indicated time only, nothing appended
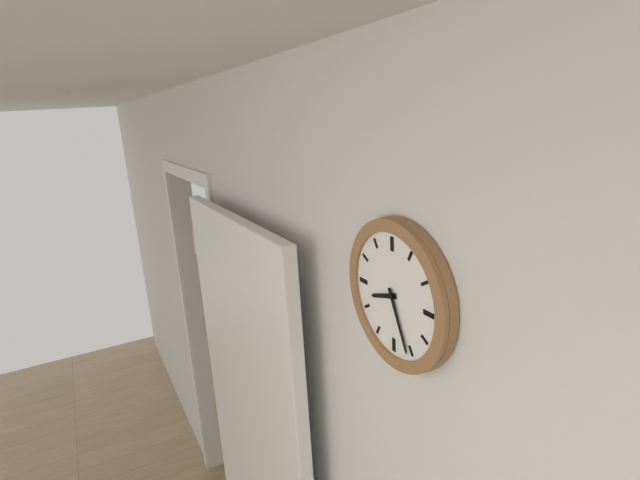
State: h=8 m=26
